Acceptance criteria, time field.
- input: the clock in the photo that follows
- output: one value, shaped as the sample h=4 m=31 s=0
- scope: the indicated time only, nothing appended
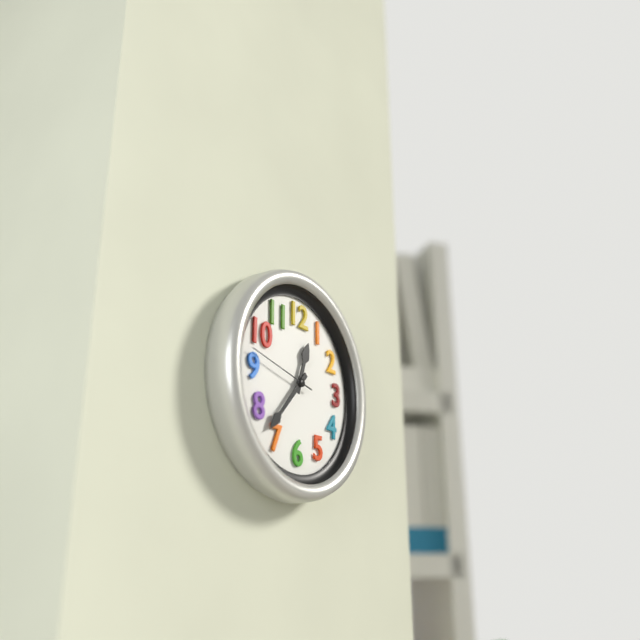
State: h=12 m=37 s=47
